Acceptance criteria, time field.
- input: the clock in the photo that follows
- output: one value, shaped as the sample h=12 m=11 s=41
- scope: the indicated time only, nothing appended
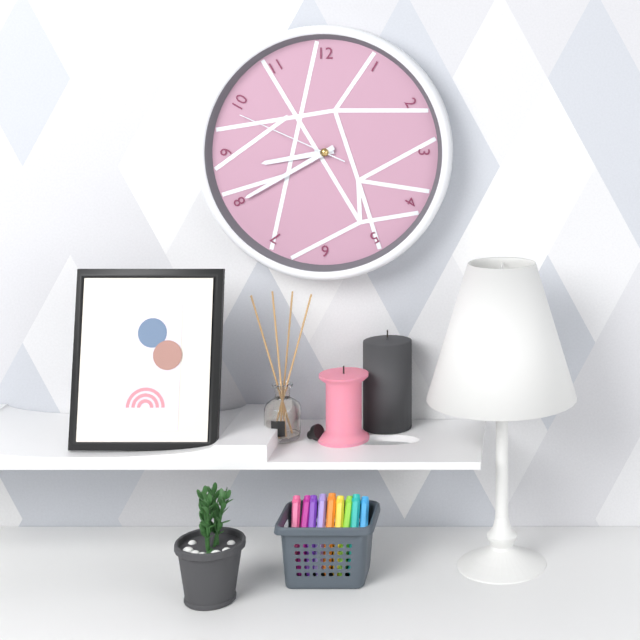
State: h=8 m=40 s=49
